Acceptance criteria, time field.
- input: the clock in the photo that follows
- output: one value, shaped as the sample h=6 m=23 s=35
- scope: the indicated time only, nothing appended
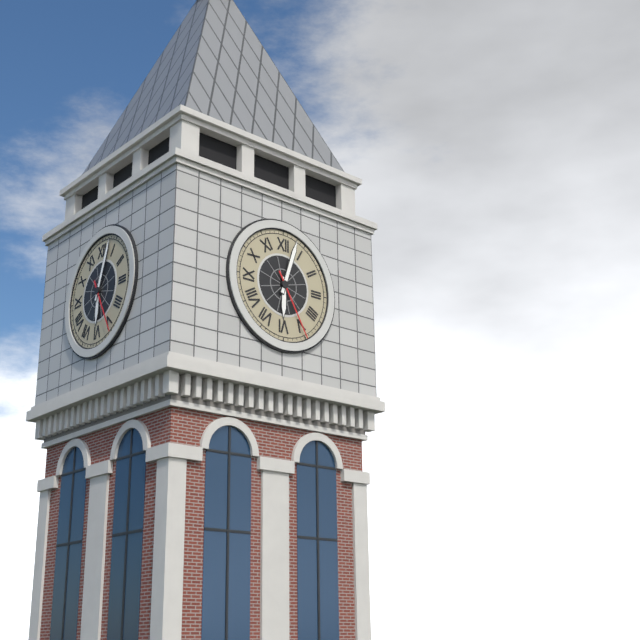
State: h=6 m=3 s=25
